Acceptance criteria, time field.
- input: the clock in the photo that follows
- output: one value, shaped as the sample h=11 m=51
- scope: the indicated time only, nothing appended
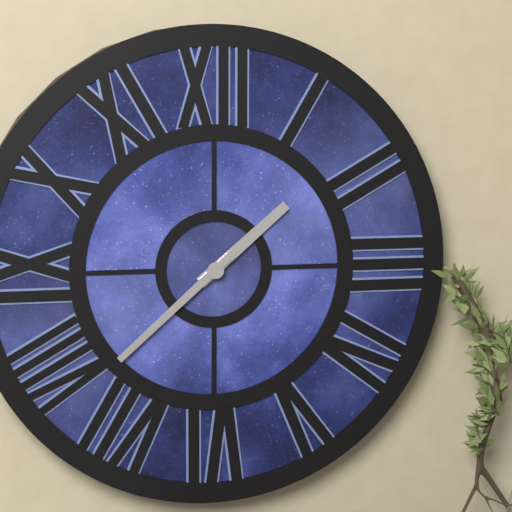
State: h=1 m=38
